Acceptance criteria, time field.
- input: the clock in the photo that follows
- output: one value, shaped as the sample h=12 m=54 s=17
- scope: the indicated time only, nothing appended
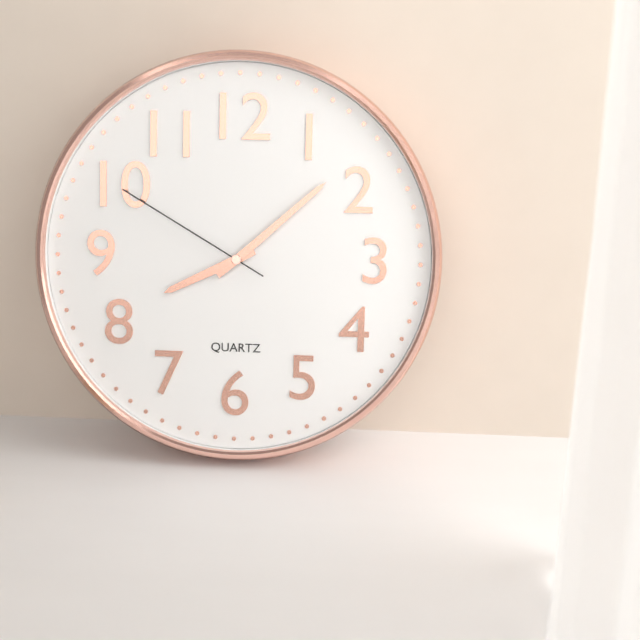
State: h=8 m=8 s=50
